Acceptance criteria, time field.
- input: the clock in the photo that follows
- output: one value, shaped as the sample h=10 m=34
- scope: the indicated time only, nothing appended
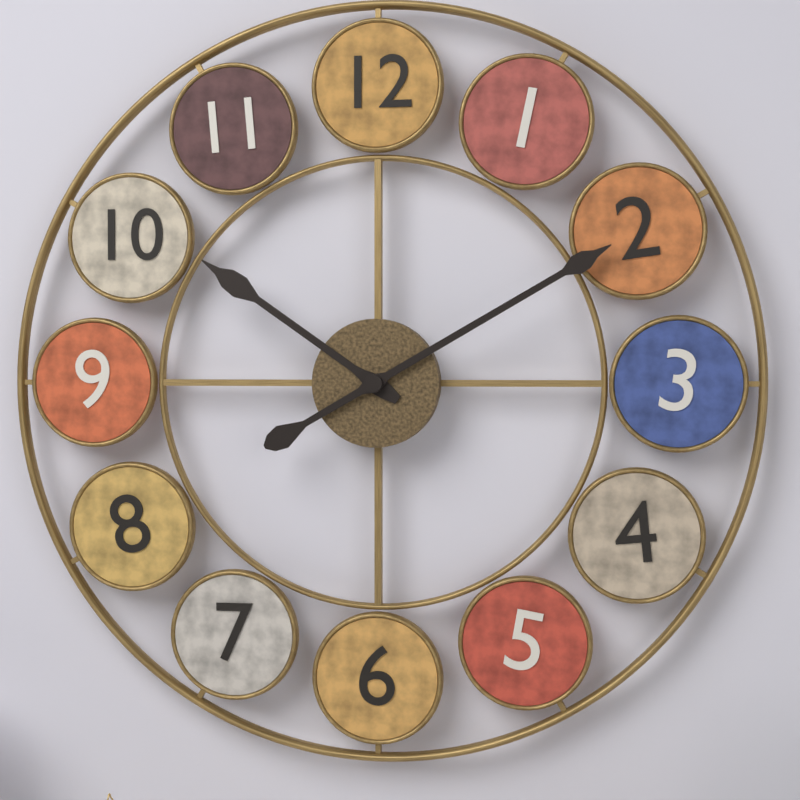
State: h=10 m=10
